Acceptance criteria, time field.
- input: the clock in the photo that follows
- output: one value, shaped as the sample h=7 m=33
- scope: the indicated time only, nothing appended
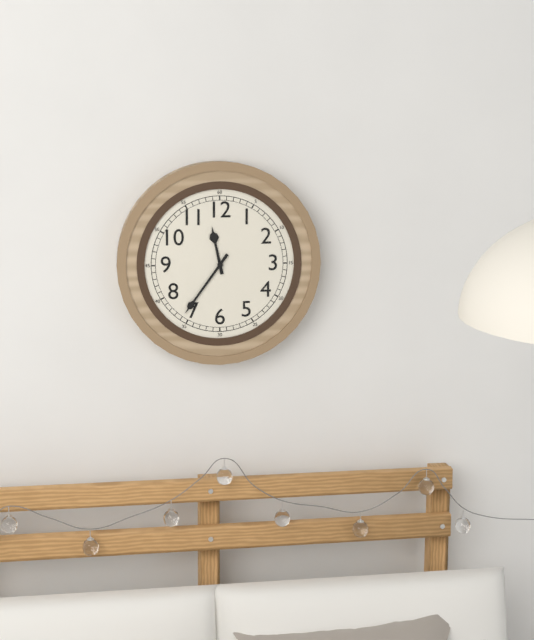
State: h=11 m=36
